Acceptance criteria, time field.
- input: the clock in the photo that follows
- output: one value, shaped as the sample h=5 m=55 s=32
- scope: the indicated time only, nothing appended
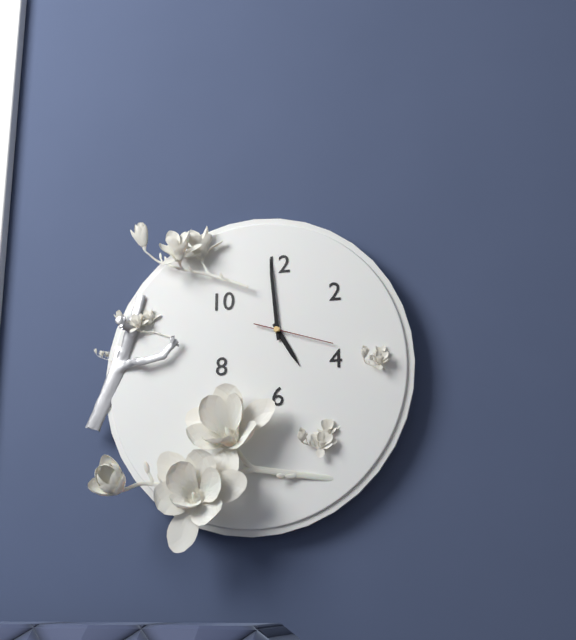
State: h=4 m=59 s=18
